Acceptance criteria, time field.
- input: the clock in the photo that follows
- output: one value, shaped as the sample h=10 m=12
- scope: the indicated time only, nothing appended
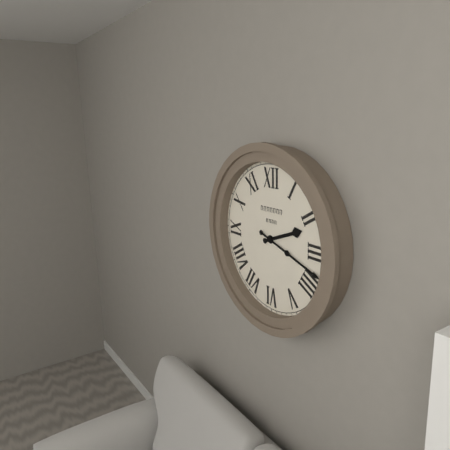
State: h=2 m=18
